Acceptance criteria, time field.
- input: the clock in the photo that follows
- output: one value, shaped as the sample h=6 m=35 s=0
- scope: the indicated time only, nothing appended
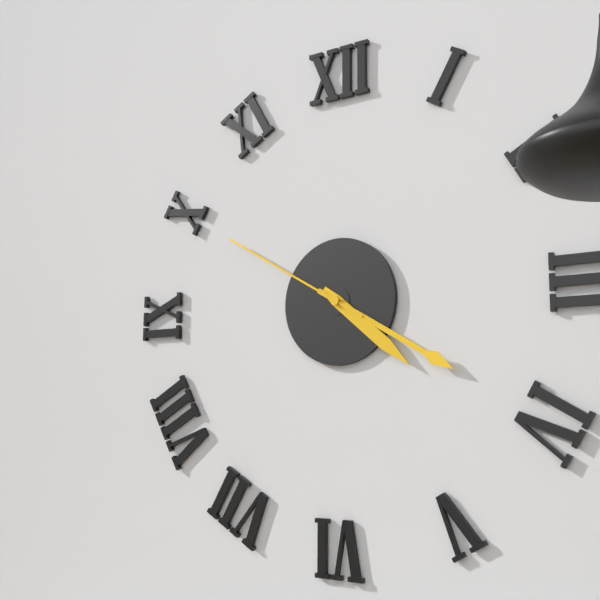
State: h=4 m=20 s=50
